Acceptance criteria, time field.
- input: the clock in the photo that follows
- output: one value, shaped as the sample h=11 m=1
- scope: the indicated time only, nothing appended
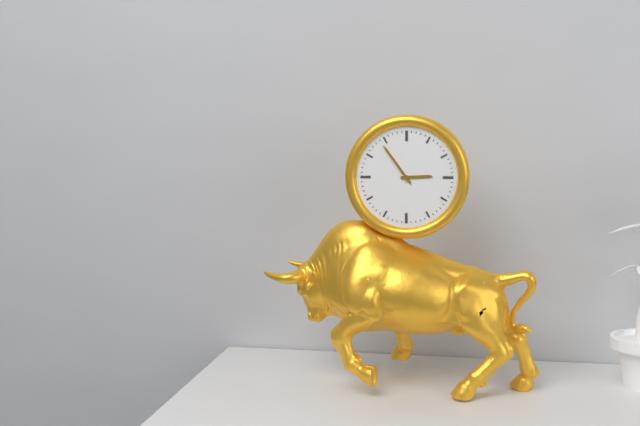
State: h=2 m=54
